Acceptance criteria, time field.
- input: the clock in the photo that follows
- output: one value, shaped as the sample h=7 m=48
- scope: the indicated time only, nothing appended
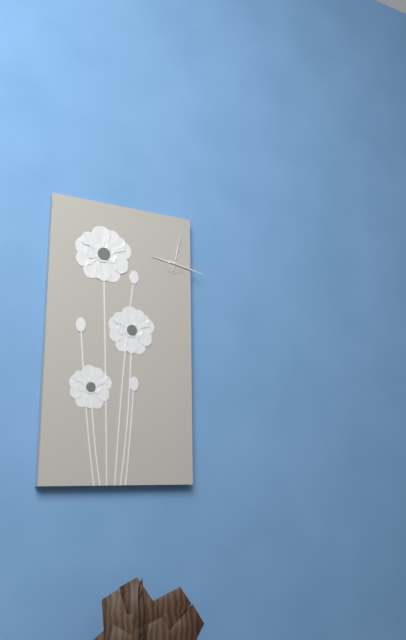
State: h=9 m=17
